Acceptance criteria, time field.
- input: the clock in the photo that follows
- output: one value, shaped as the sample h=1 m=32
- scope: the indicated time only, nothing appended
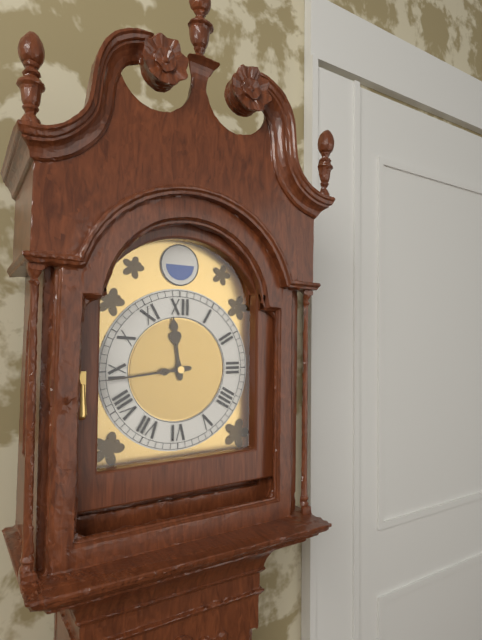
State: h=11 m=44
